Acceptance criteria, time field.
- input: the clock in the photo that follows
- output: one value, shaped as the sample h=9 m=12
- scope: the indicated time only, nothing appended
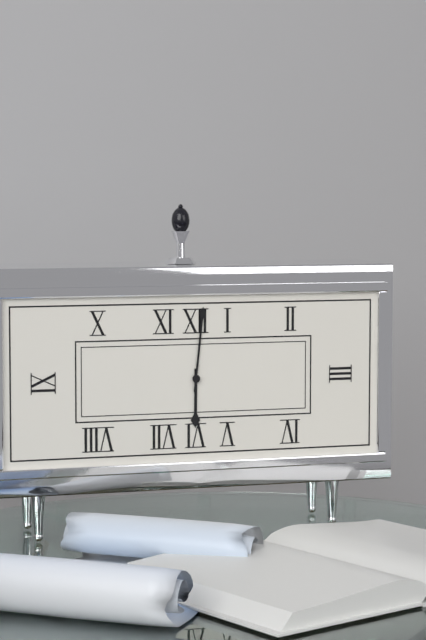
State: h=6 m=1
